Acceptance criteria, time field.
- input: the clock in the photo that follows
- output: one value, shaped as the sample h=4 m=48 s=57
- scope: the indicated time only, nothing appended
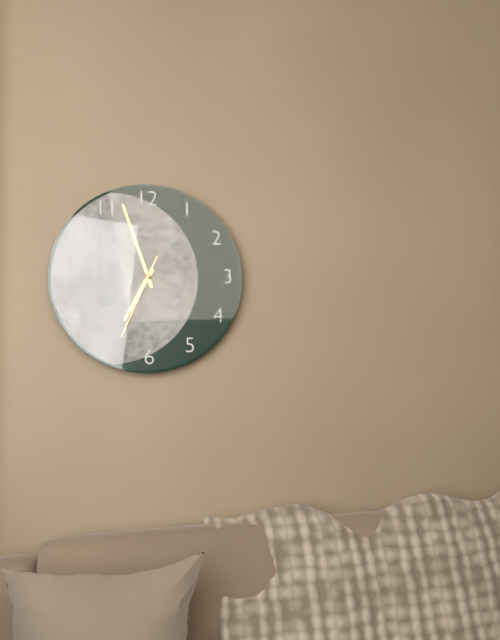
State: h=6 m=57 s=34
